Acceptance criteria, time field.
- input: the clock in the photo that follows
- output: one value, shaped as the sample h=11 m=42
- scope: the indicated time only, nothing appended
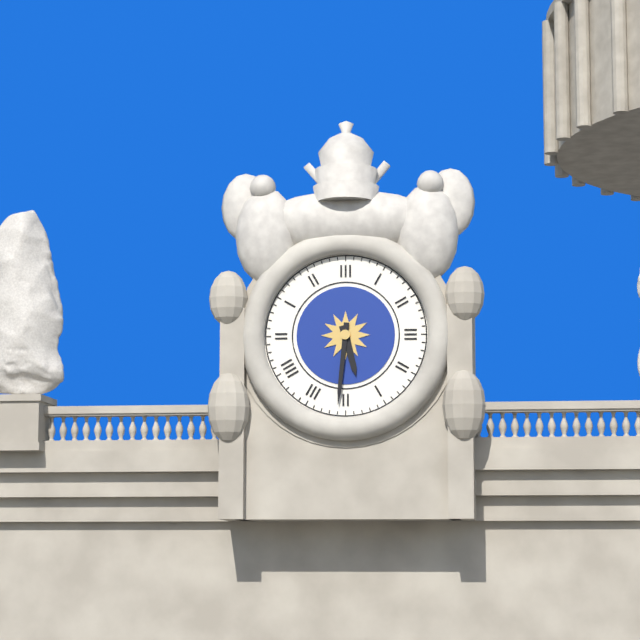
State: h=5 m=31
